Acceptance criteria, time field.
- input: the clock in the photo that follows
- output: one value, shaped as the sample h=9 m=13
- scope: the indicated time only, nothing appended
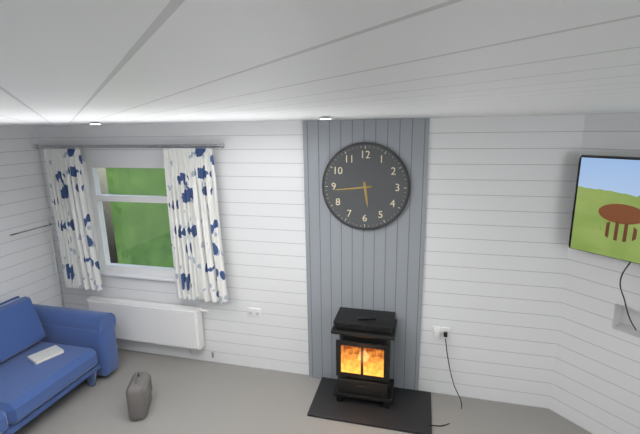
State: h=5 m=44
